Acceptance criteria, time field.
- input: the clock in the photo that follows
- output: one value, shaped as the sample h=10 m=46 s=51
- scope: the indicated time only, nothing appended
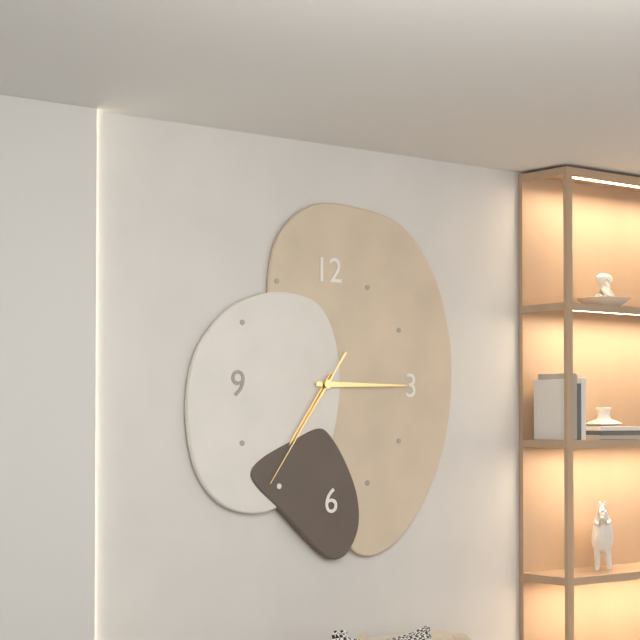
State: h=7 m=15 s=36
